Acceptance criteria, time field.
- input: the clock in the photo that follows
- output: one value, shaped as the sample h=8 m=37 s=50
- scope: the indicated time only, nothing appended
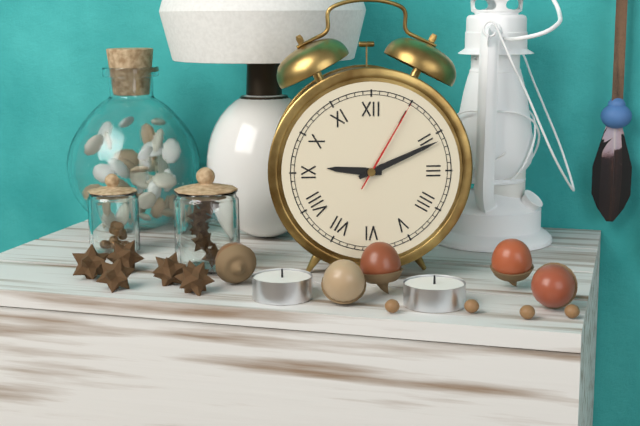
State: h=9 m=11 s=5
